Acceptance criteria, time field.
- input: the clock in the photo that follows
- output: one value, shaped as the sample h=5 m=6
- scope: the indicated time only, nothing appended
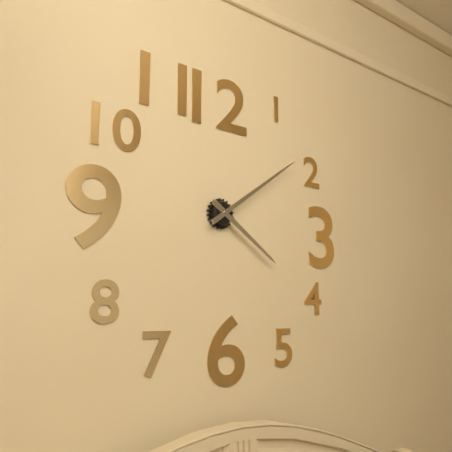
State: h=4 m=9
